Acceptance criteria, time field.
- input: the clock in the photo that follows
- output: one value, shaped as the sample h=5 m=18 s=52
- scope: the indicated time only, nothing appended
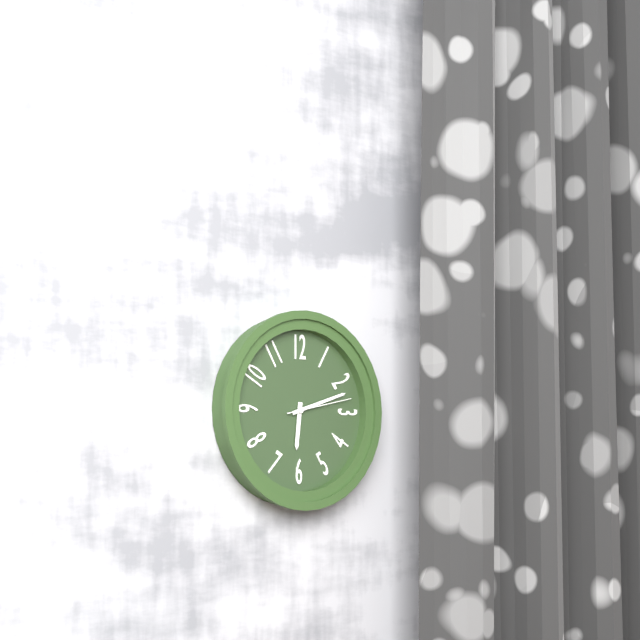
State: h=6 m=12 s=13
